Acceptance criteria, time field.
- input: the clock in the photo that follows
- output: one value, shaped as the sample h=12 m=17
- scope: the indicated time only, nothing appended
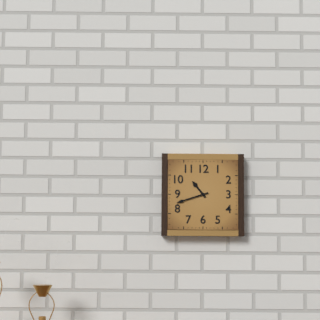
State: h=10 m=42
